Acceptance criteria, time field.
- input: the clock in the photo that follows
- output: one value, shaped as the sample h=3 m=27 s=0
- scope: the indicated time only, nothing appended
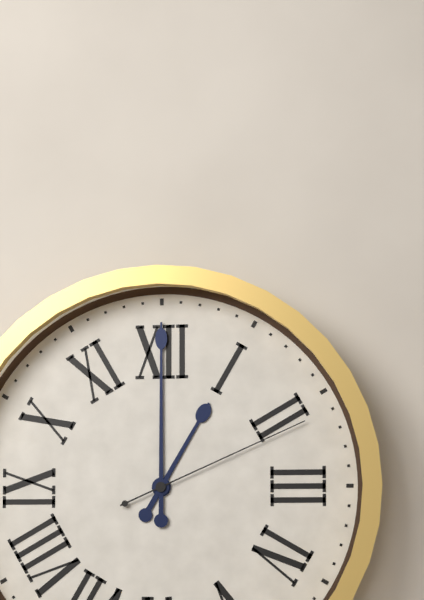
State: h=1 m=0 s=11
